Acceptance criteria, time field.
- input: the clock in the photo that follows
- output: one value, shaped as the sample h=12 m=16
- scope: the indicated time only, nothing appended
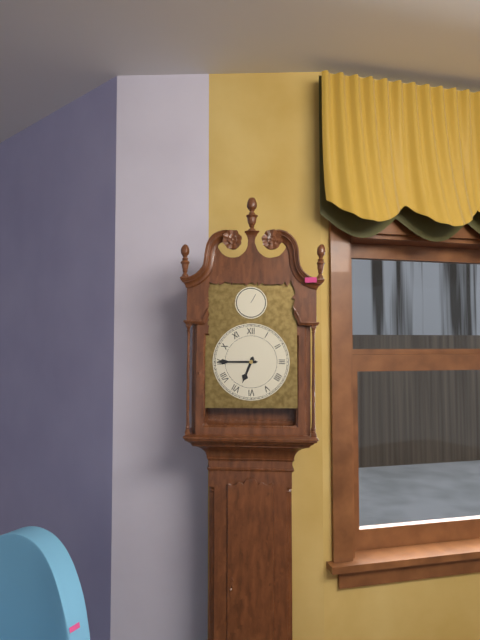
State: h=6 m=45
